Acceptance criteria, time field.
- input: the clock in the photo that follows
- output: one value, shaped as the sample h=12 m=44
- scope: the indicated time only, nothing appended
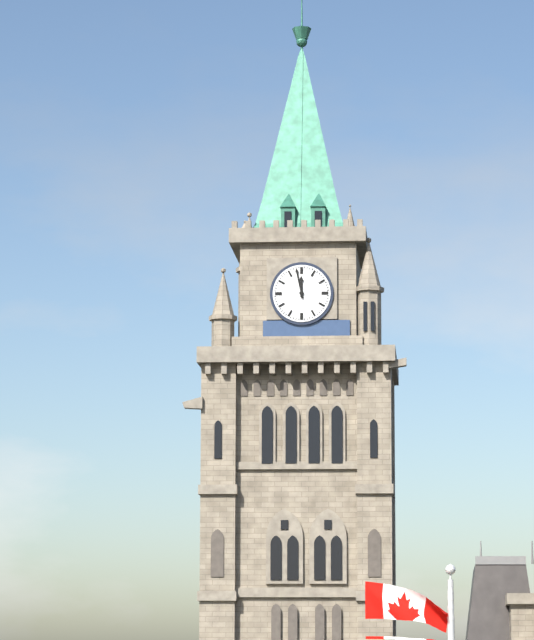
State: h=11 m=58
